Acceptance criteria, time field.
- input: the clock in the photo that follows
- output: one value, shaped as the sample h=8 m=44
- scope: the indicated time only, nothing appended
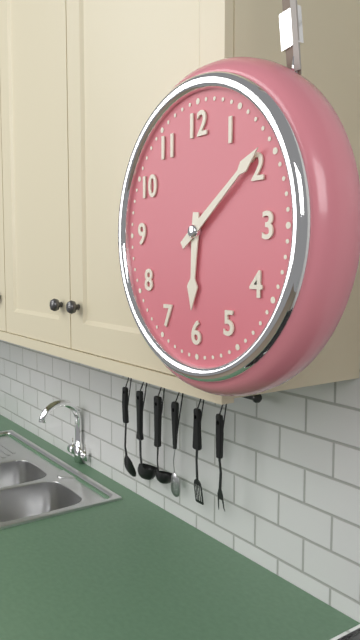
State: h=6 m=9
